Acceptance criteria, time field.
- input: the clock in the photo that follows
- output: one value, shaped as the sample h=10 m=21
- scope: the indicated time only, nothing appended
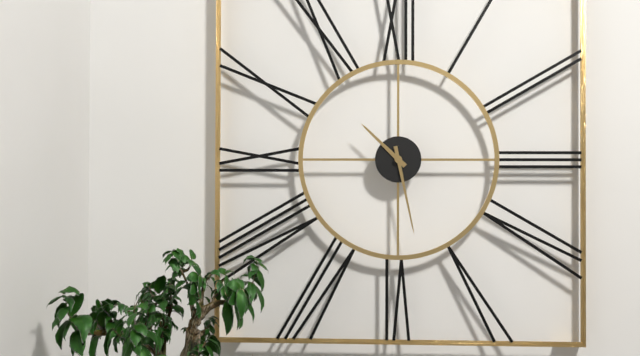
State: h=10 m=28
